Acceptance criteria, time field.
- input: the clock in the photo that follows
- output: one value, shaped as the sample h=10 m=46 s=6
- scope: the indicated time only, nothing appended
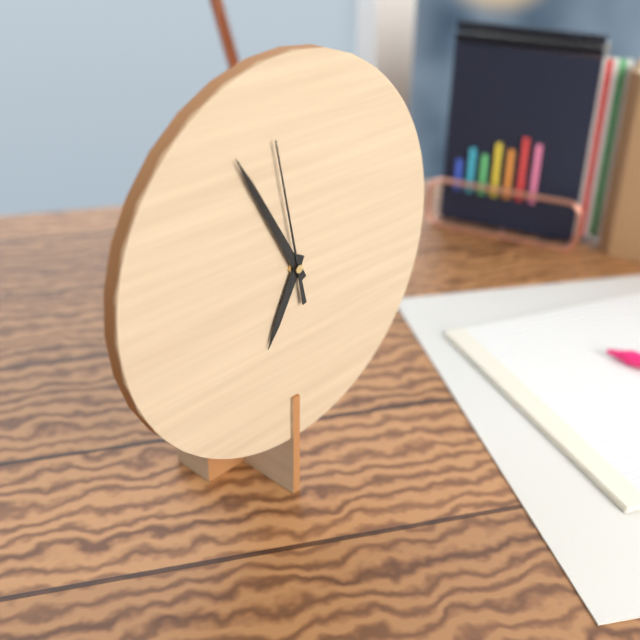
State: h=6 m=55 s=58
